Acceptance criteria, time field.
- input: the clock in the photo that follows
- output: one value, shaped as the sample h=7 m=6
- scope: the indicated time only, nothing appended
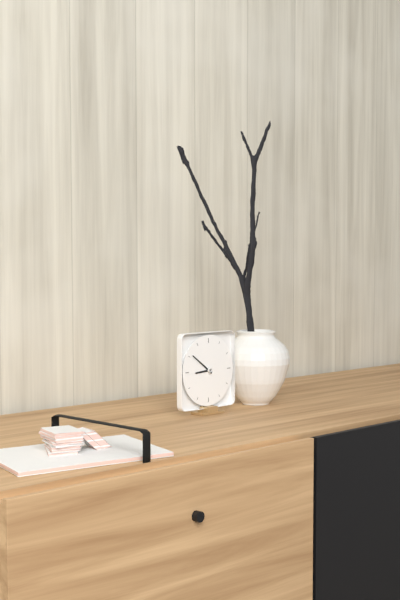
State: h=8 m=51
